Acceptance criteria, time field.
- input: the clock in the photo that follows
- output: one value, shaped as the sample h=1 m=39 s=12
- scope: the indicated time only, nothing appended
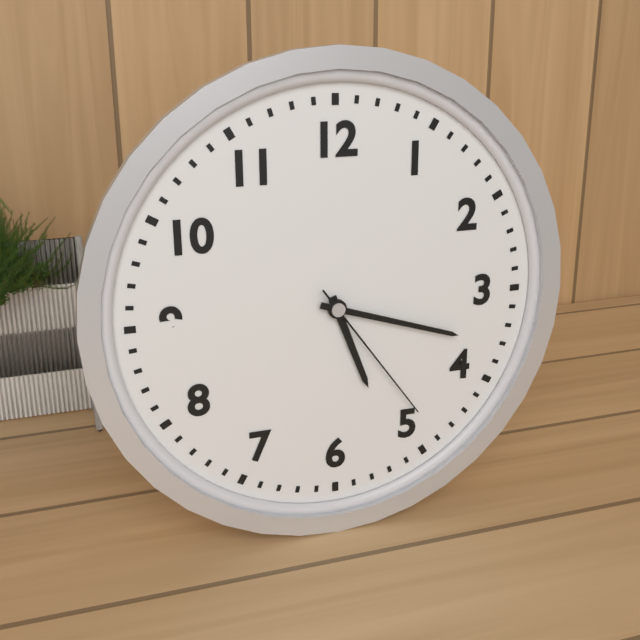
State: h=5 m=18 s=24
